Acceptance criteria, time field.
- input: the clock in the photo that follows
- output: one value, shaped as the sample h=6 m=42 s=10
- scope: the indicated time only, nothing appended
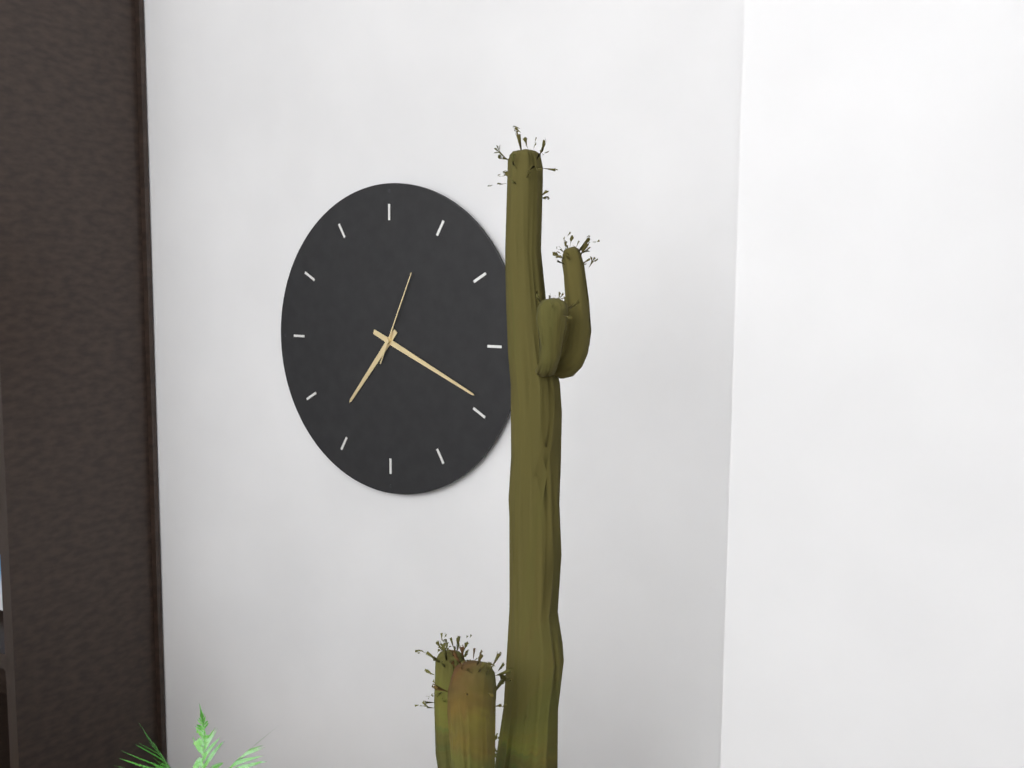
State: h=7 m=19 s=4
